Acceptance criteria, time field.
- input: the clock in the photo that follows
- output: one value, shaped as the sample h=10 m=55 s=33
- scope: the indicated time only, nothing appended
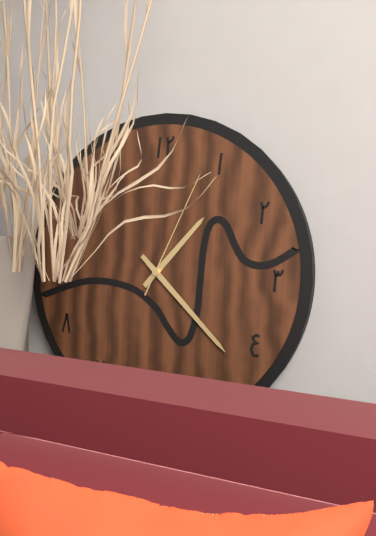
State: h=1 m=22 s=4
